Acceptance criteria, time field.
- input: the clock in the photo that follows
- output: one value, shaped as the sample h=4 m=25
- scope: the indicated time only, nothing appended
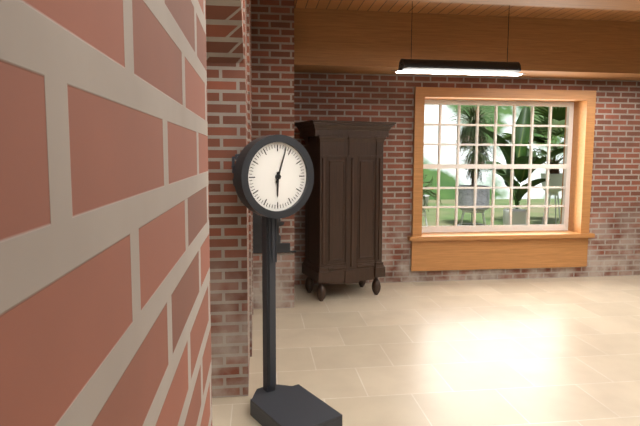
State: h=6 m=3
